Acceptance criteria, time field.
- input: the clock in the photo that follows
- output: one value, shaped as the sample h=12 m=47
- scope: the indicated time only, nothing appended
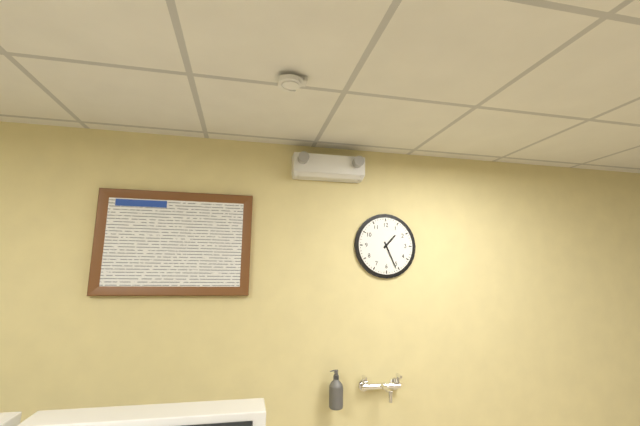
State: h=1 m=26
